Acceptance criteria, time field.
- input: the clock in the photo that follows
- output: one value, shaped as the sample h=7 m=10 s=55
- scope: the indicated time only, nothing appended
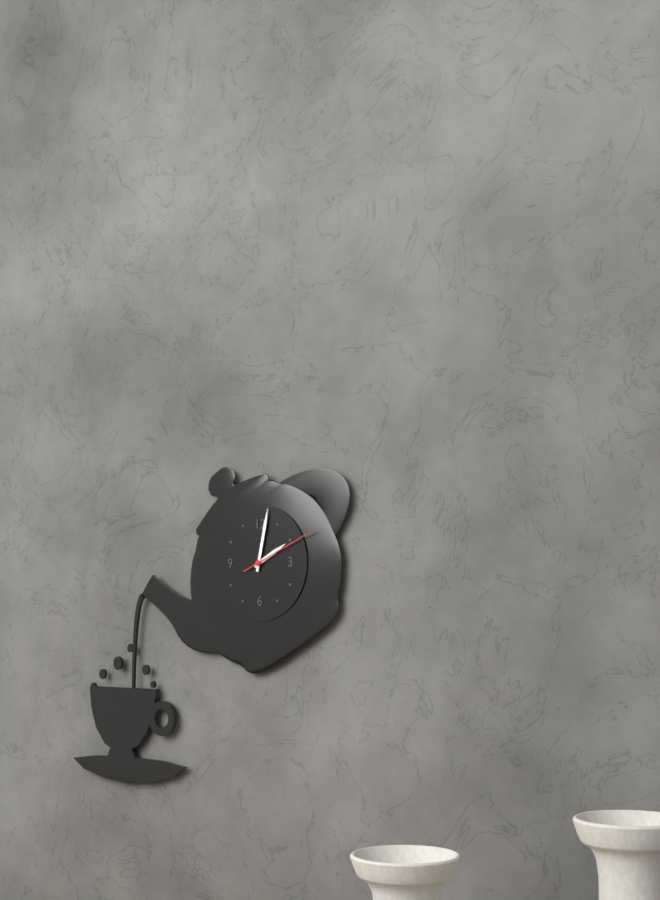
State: h=2 m=2 s=11
